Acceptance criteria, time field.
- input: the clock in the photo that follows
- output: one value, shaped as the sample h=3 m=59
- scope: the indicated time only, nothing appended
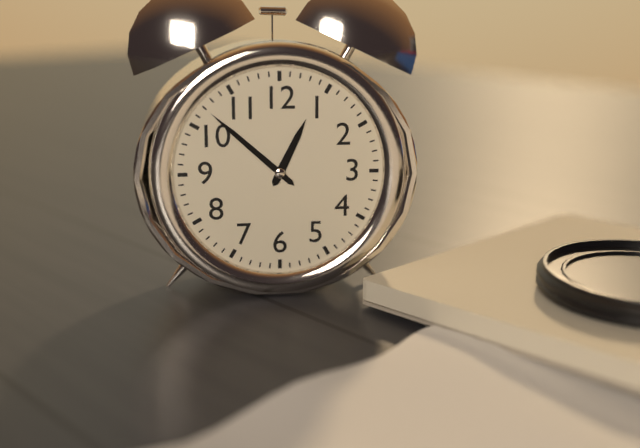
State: h=12 m=52
